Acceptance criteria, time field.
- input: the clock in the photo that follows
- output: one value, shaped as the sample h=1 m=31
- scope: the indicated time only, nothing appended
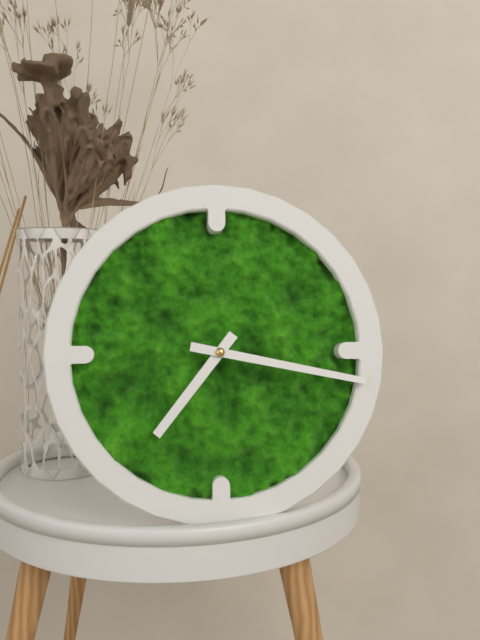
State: h=7 m=17
